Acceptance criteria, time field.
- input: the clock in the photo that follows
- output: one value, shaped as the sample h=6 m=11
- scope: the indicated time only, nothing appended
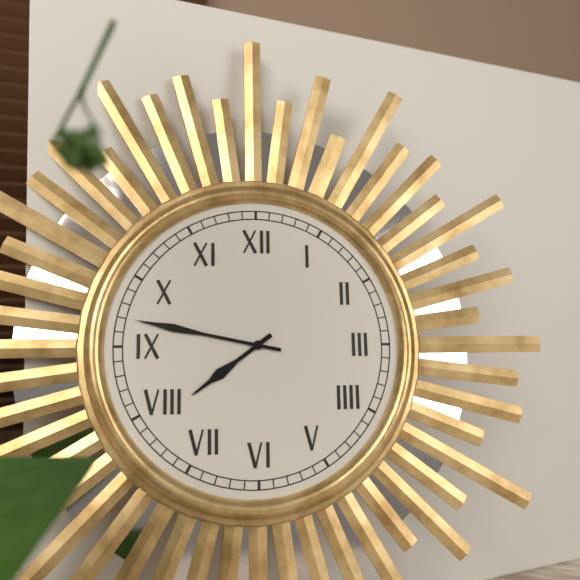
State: h=7 m=47
